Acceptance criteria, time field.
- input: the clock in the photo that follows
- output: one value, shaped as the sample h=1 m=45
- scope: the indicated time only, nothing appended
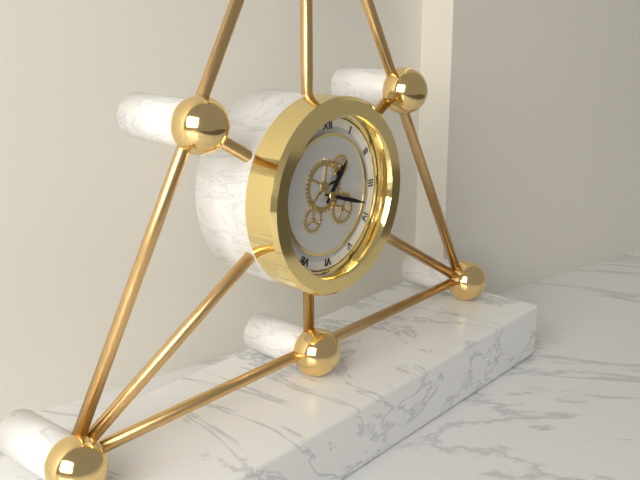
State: h=1 m=18
